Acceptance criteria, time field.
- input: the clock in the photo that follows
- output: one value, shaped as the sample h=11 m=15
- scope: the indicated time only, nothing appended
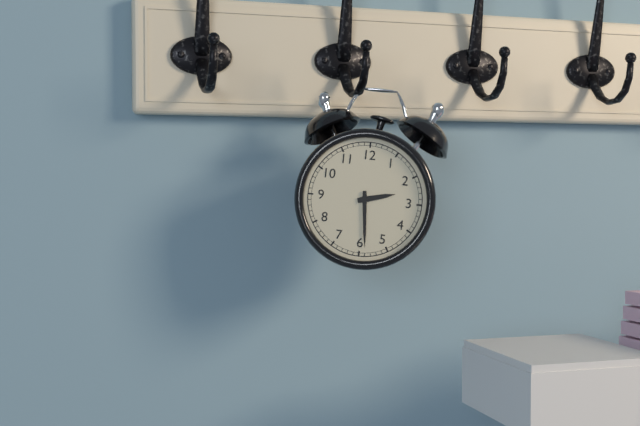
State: h=2 m=29
